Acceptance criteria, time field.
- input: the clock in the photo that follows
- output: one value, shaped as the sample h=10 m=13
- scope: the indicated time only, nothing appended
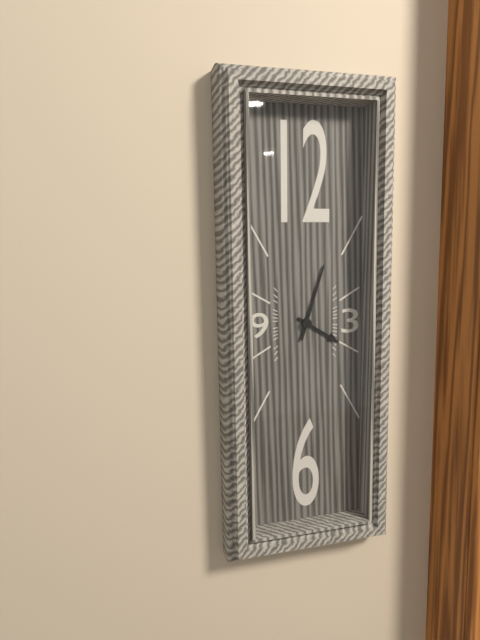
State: h=4 m=3
